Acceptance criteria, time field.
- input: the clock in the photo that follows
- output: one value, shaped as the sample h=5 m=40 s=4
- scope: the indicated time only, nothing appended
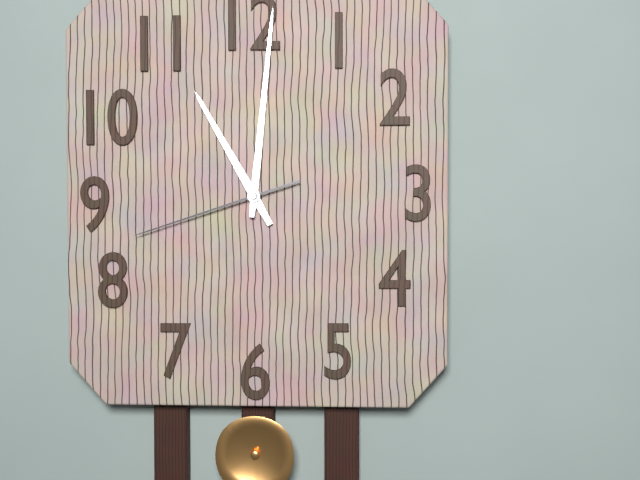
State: h=11 m=1 s=42
